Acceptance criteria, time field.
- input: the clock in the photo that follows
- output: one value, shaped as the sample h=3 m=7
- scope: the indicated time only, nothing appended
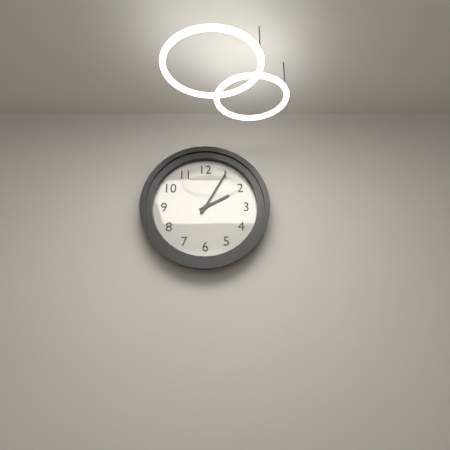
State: h=2 m=5
